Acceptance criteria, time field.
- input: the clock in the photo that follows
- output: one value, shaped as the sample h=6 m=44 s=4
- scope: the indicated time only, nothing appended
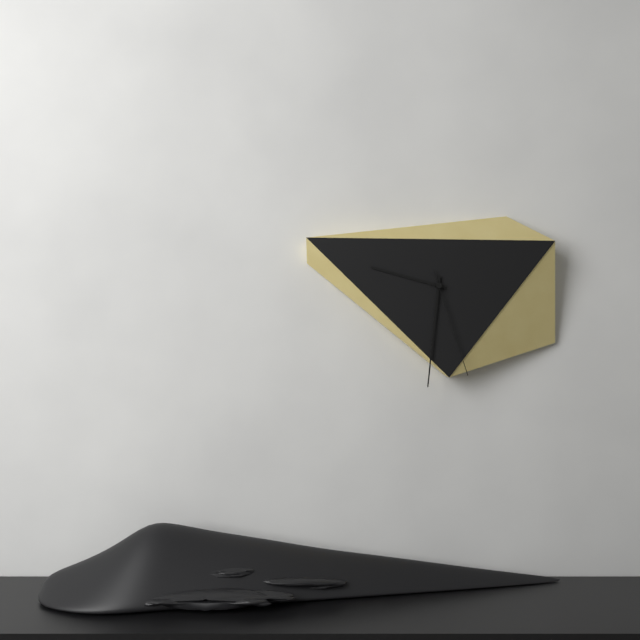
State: h=9 m=31 s=27
